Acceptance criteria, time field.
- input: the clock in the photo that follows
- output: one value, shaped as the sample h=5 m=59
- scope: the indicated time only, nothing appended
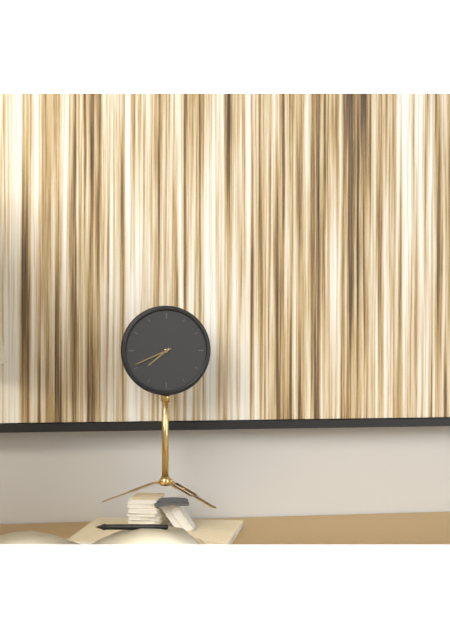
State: h=7 m=41
